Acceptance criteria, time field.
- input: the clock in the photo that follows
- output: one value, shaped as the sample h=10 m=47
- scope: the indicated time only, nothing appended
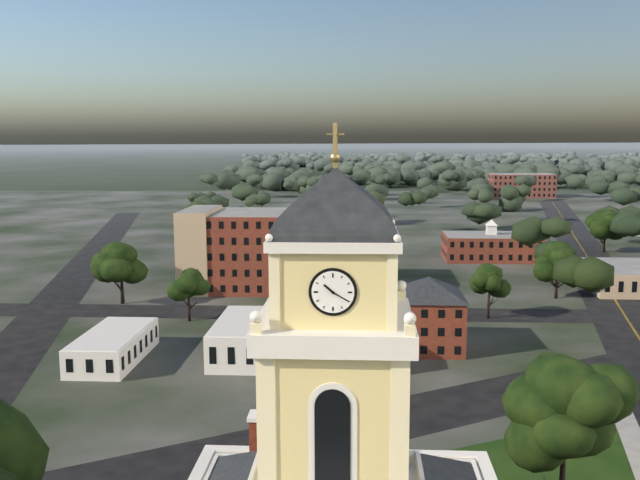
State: h=10 m=20
